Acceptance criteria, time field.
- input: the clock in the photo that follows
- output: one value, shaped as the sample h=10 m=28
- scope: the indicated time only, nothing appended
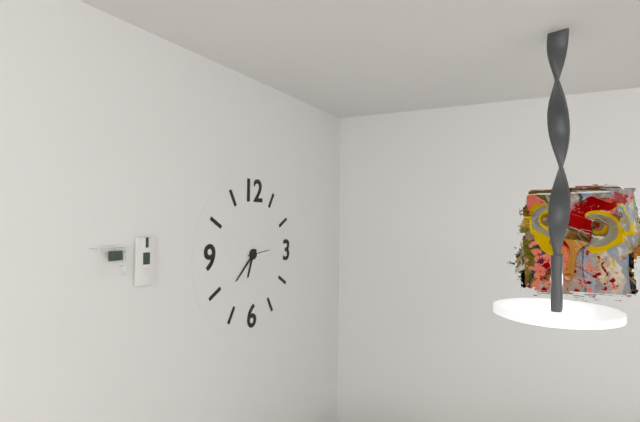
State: h=6 m=38
